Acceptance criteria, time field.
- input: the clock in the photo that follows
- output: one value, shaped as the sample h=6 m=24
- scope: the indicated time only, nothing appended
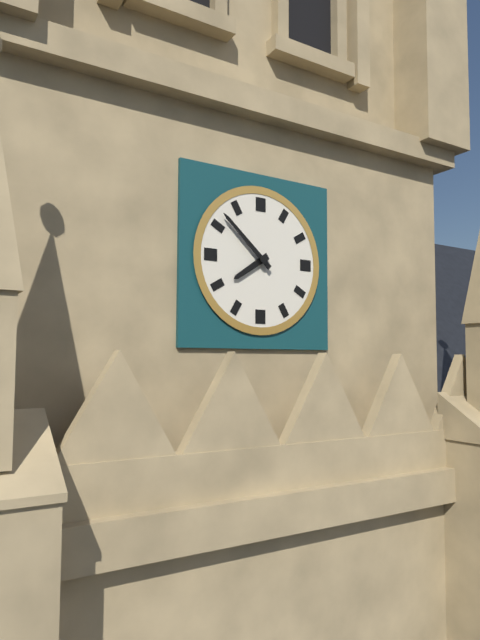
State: h=7 m=52
